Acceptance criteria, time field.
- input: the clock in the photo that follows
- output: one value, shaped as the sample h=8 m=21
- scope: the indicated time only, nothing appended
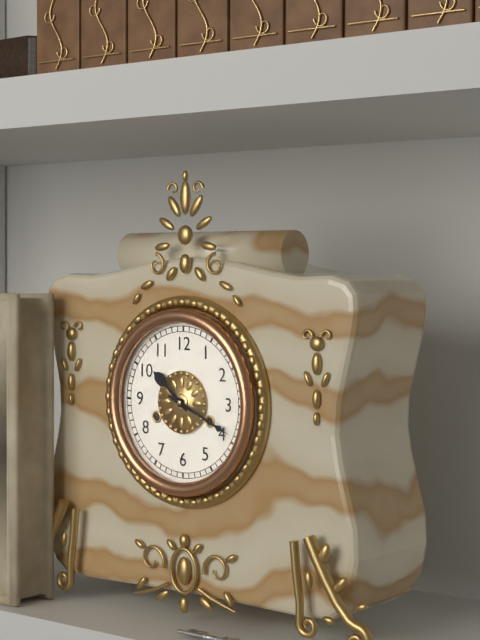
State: h=10 m=19
